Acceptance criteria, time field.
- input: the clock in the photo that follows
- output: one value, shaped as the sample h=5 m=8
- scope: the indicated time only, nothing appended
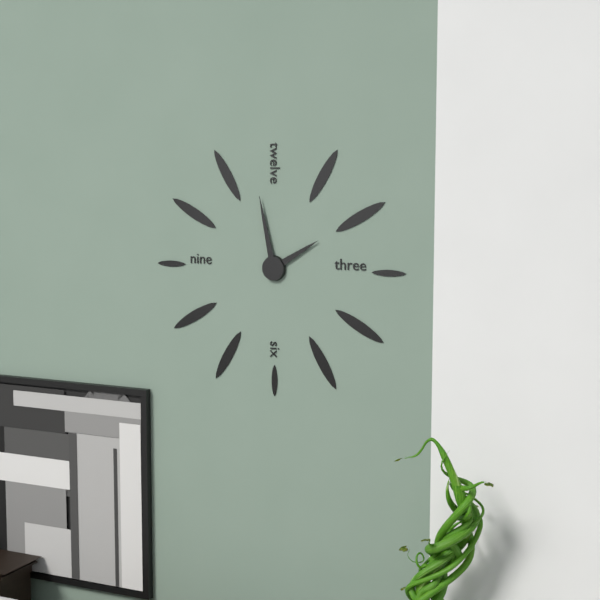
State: h=1 m=58
